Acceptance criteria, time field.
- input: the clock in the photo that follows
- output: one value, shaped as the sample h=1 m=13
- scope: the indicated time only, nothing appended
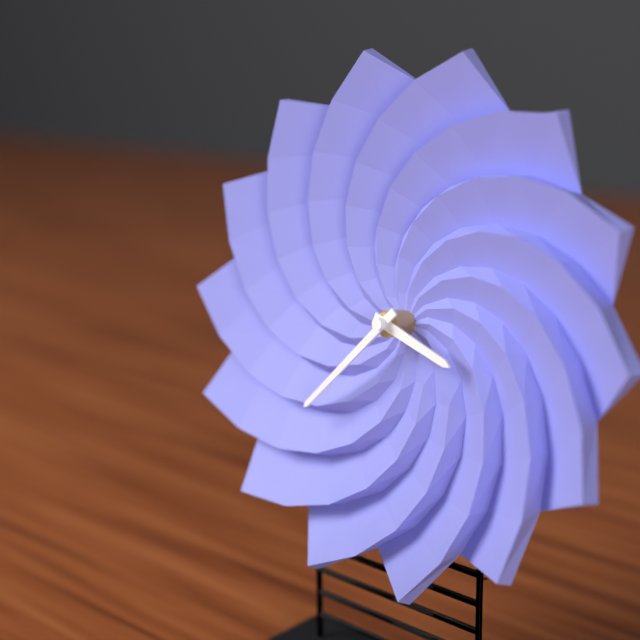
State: h=3 m=37
